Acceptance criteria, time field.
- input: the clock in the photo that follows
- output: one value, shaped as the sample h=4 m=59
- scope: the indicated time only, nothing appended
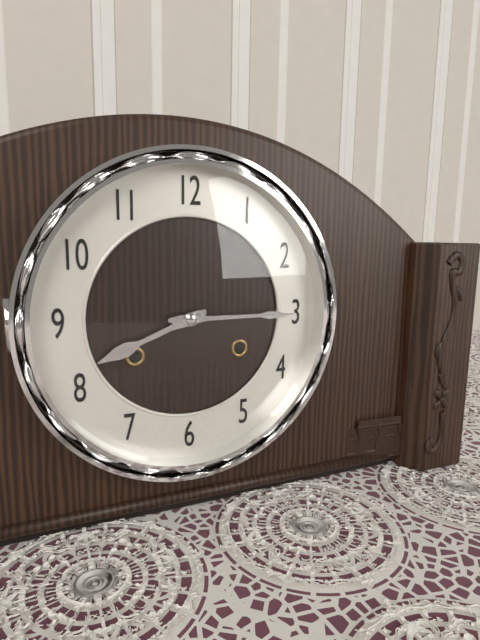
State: h=8 m=15
